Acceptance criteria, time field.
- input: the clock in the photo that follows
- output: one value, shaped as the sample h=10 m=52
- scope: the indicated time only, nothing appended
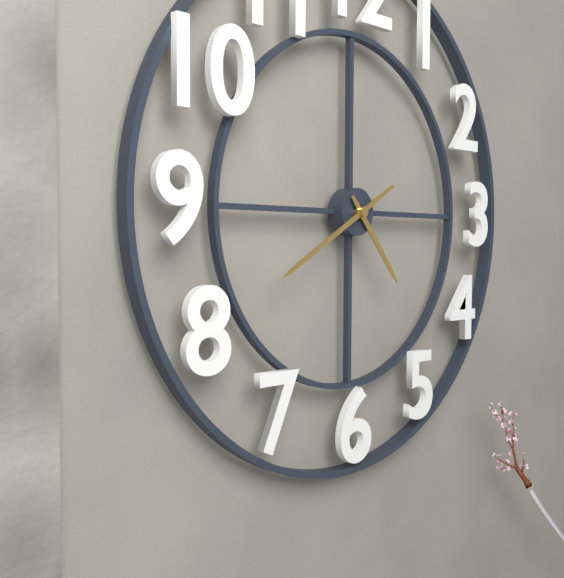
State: h=4 m=40
